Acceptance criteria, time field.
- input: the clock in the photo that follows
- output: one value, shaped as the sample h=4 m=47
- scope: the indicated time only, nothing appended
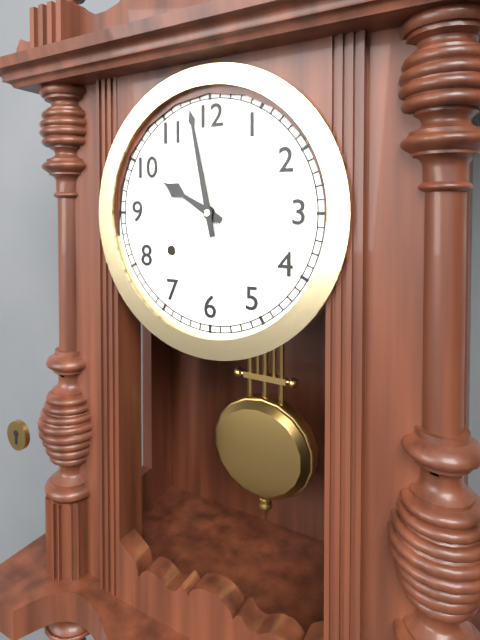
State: h=9 m=58
